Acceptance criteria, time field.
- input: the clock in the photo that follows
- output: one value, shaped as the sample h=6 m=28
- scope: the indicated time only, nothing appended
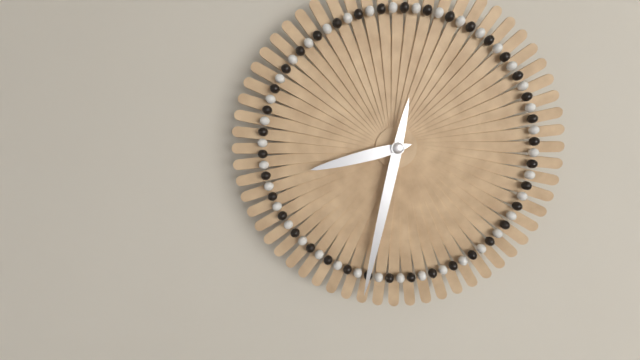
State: h=8 m=32
